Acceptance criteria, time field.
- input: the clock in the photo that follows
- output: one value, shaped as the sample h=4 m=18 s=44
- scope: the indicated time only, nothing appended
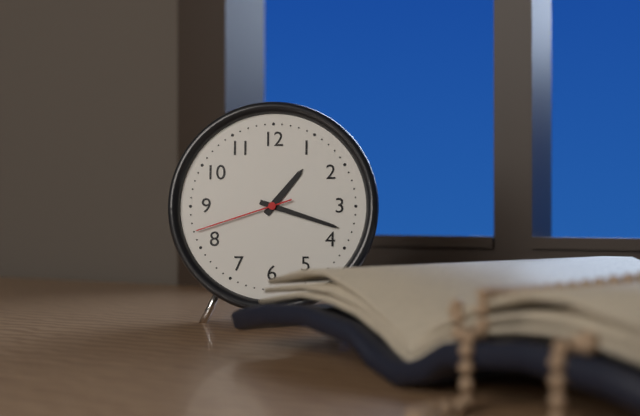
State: h=1 m=18 s=42
